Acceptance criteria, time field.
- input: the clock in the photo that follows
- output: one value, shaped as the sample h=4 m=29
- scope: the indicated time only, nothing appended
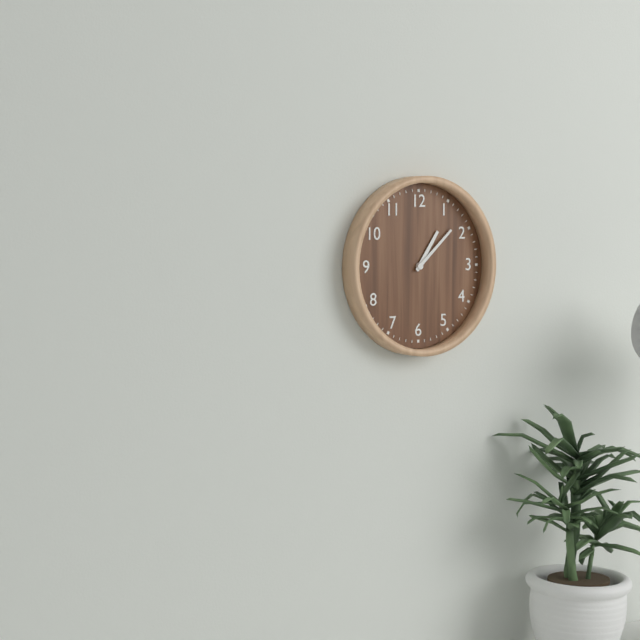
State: h=1 m=8
